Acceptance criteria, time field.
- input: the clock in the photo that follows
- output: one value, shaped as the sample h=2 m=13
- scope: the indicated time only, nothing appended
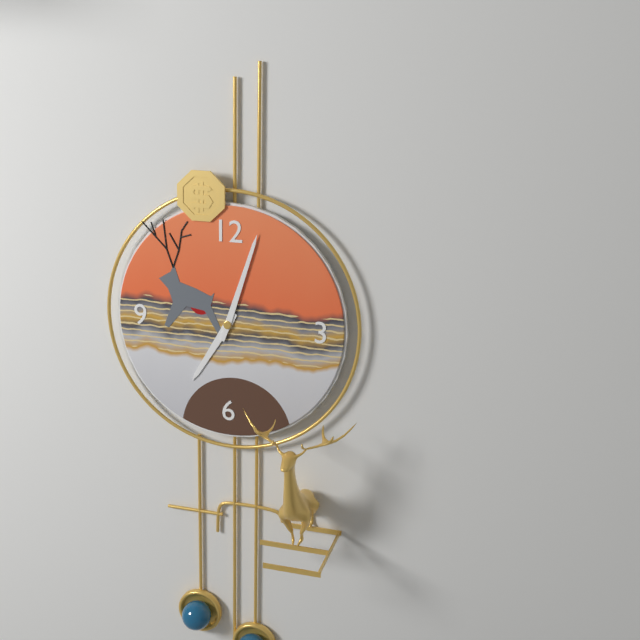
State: h=7 m=3
